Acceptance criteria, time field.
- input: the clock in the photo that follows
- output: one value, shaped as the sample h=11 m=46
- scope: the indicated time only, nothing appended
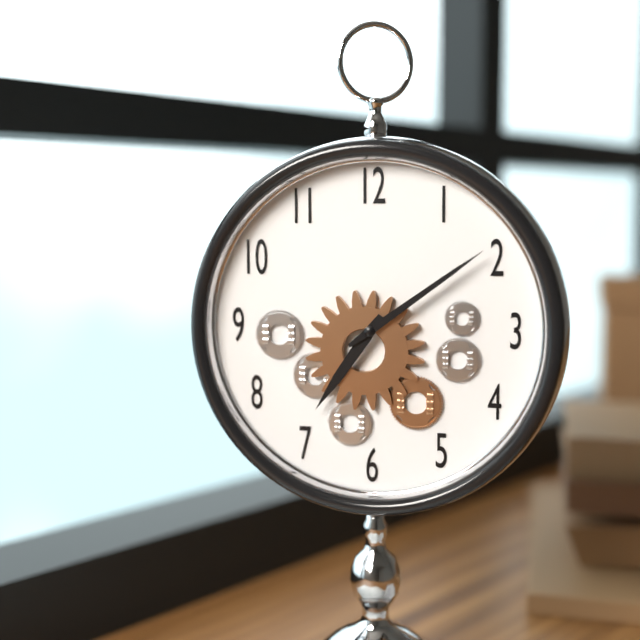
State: h=7 m=9
